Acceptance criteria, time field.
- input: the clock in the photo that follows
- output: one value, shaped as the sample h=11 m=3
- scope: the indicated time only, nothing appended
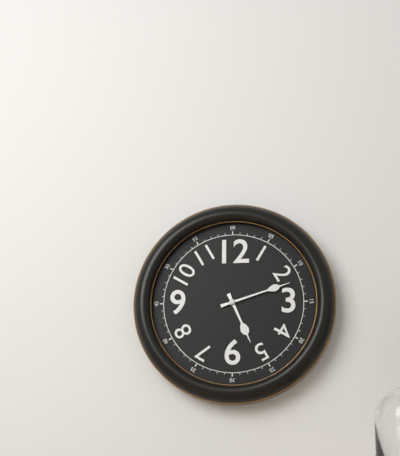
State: h=5 m=12
